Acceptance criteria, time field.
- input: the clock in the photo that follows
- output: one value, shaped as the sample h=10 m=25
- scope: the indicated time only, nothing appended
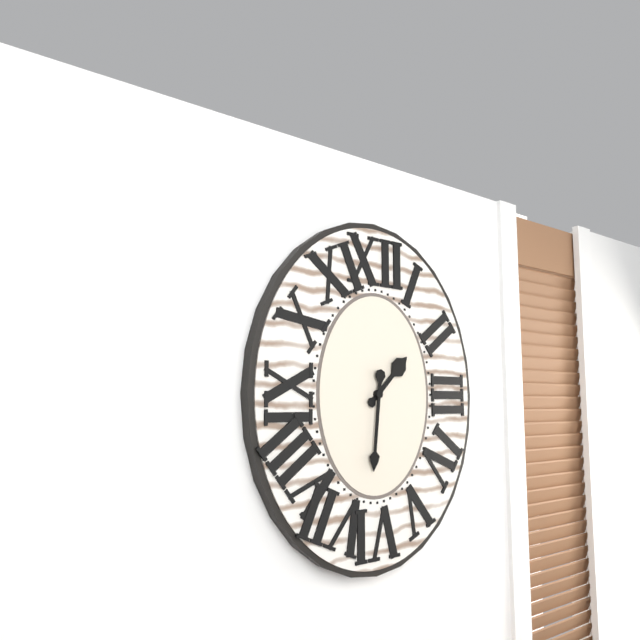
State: h=1 m=31
